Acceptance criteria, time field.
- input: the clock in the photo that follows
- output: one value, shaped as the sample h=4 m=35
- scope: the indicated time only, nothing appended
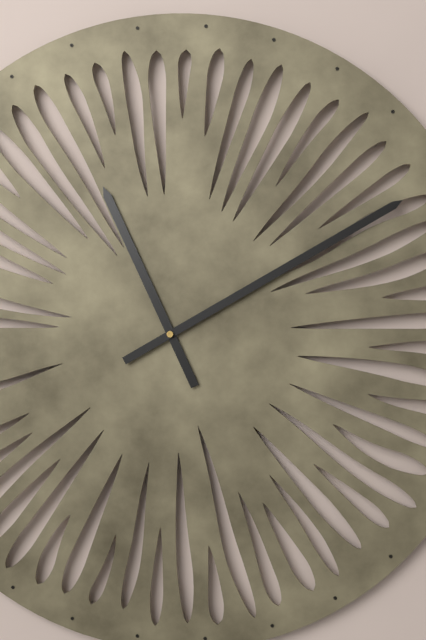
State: h=11 m=10
